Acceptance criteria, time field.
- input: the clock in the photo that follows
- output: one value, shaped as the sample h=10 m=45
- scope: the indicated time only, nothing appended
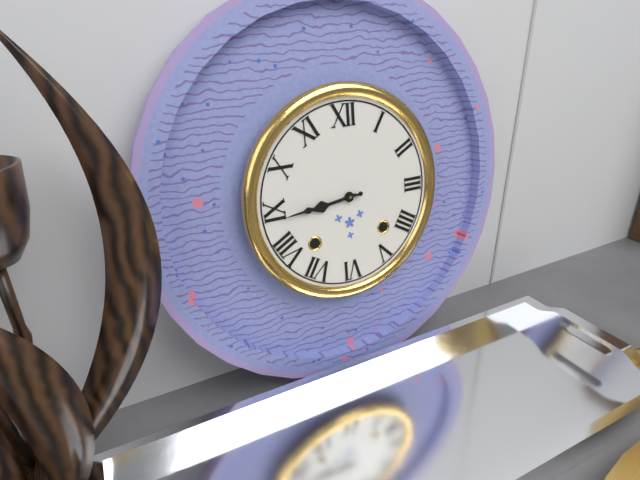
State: h=8 m=44
